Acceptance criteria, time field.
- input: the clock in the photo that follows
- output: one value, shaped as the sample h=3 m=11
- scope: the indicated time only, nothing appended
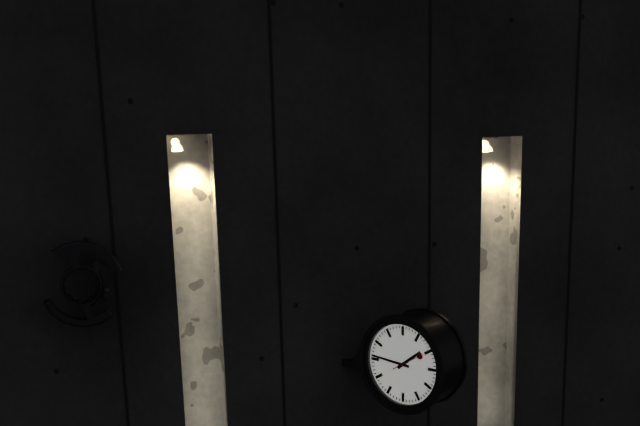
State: h=1 m=46
